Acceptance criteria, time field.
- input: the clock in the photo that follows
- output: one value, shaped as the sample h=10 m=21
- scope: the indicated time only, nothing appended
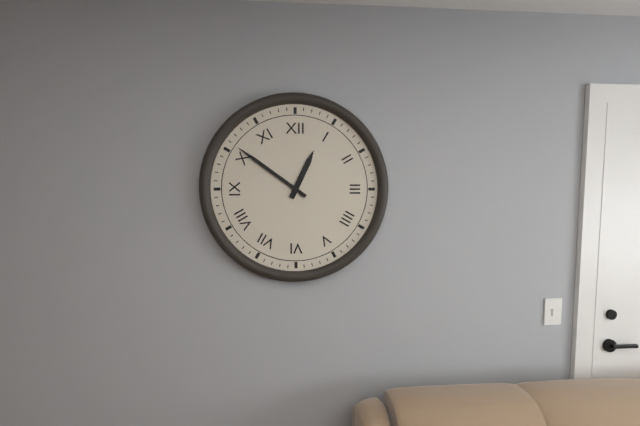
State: h=12 m=51
